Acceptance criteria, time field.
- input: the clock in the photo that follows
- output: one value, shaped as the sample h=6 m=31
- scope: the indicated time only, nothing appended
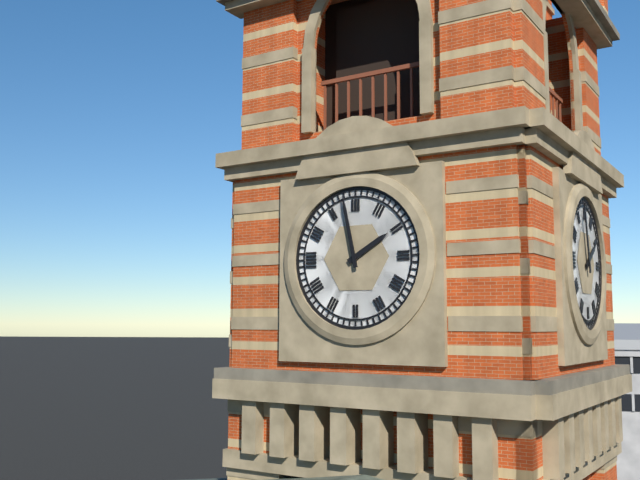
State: h=1 m=58
